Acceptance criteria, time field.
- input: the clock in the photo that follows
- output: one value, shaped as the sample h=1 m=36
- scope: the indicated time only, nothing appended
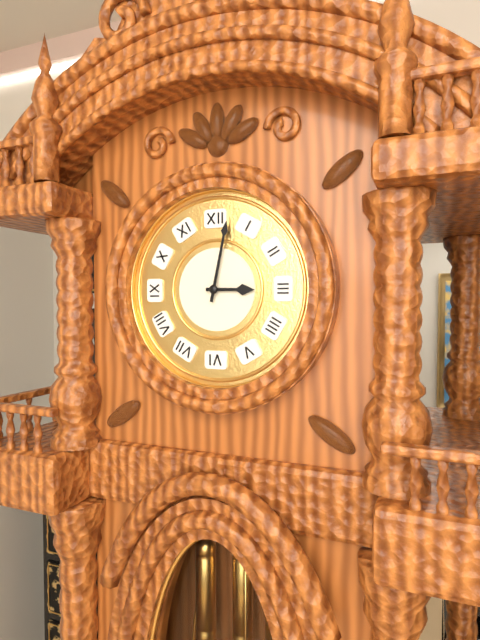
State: h=3 m=2
